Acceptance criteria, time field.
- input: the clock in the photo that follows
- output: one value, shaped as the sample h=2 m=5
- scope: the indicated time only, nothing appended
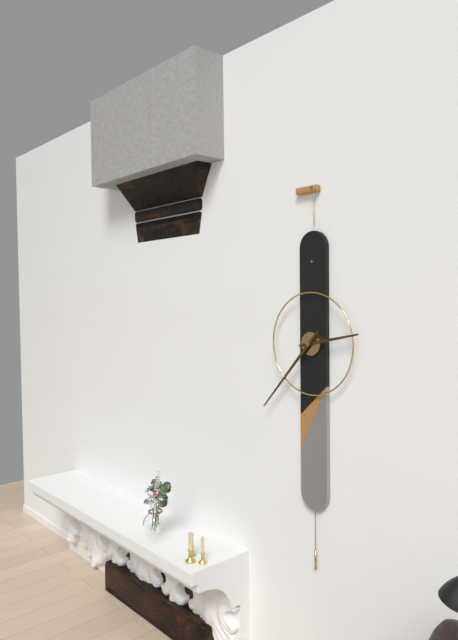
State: h=2 m=37
